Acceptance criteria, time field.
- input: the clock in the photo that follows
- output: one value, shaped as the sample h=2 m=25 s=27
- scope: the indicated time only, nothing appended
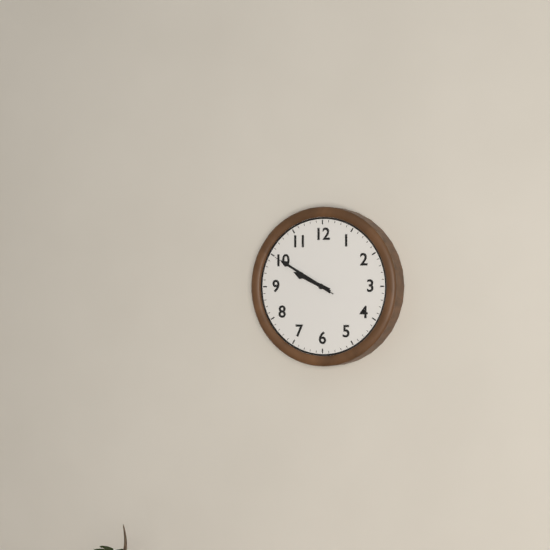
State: h=9 m=50 s=50
